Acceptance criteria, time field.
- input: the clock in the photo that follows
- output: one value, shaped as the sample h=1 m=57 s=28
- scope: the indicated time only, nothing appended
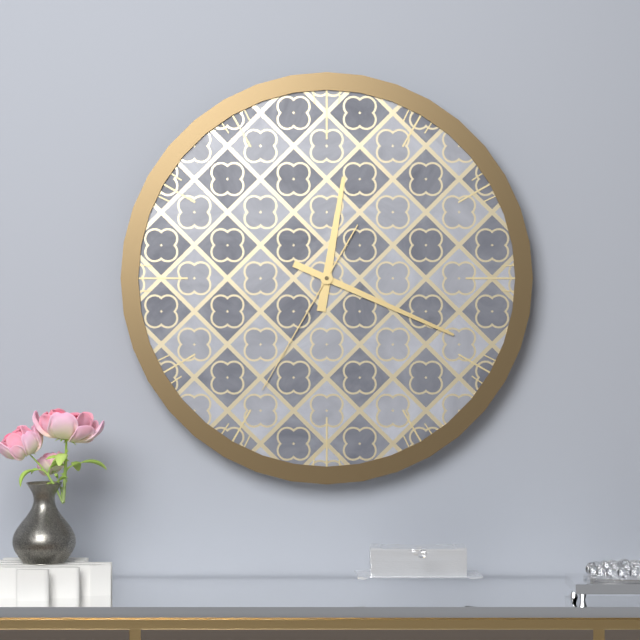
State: h=12 m=19 s=35
